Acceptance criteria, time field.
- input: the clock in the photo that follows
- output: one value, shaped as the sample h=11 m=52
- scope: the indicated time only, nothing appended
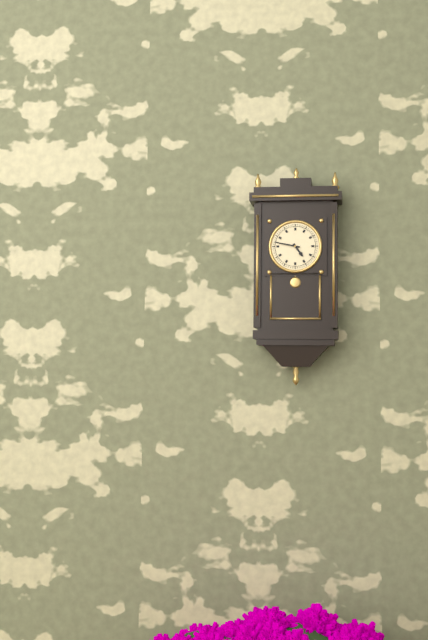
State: h=4 m=47
